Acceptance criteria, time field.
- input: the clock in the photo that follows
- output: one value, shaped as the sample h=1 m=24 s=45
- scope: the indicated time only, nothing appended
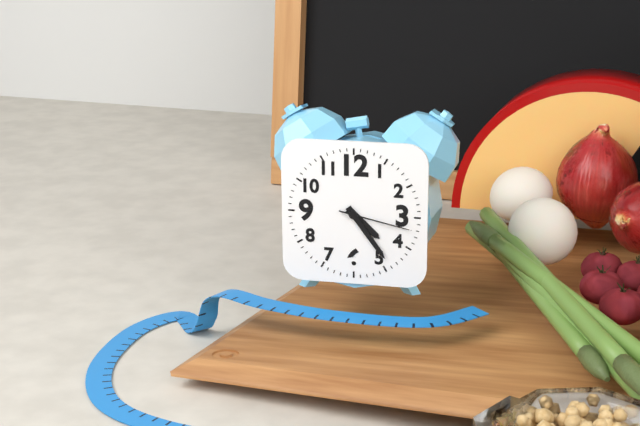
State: h=4 m=24 s=17
